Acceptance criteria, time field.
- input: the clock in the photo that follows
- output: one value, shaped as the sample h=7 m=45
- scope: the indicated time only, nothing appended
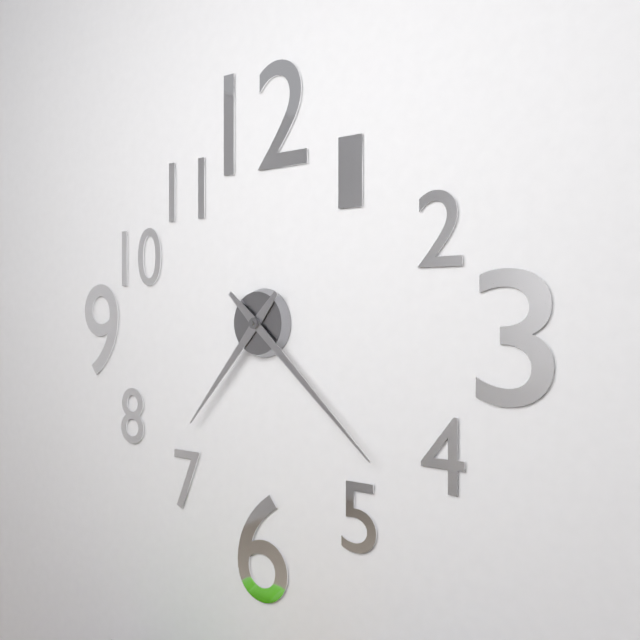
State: h=7 m=22
